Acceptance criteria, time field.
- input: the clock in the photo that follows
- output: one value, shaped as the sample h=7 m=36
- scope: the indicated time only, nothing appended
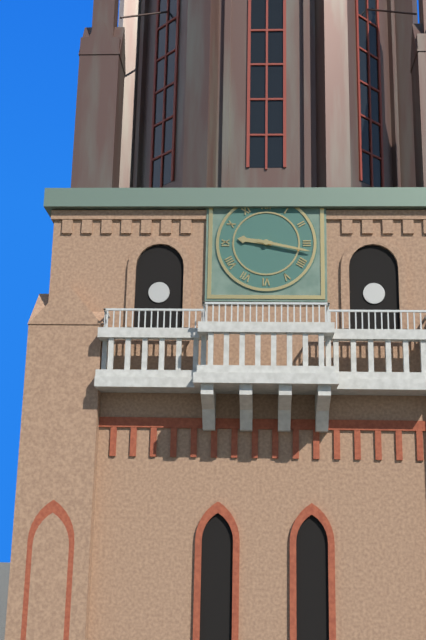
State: h=9 m=17
